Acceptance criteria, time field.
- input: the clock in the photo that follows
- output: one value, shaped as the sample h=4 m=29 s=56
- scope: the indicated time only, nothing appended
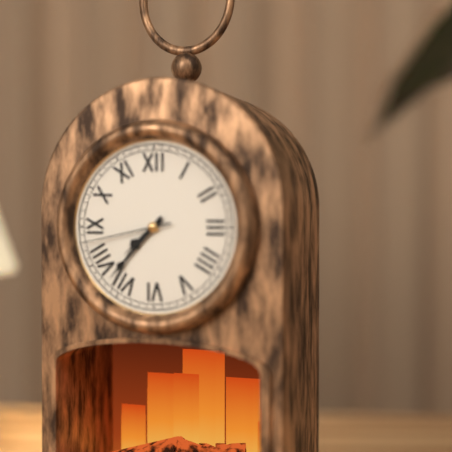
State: h=7 m=37 s=43
